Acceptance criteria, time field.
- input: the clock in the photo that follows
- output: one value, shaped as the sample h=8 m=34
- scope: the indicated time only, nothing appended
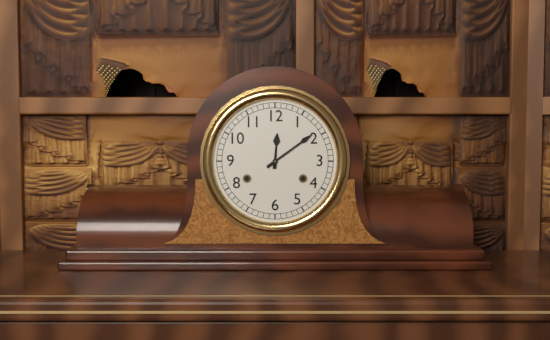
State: h=12 m=9
